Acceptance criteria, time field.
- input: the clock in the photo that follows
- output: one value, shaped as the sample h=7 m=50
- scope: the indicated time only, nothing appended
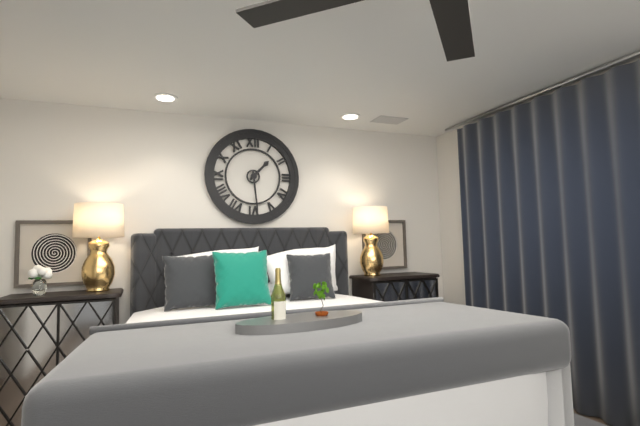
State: h=1 m=29
